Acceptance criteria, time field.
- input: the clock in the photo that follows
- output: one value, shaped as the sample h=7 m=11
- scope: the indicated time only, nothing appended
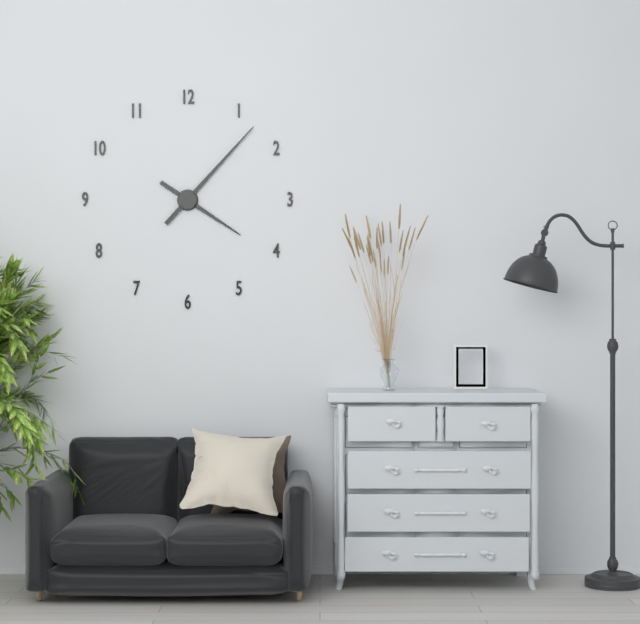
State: h=4 m=7
